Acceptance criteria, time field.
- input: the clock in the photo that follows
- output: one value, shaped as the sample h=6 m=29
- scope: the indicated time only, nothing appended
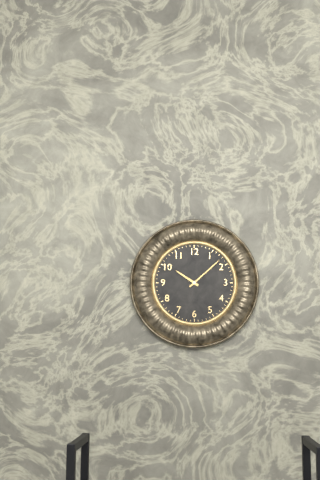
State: h=10 m=8
